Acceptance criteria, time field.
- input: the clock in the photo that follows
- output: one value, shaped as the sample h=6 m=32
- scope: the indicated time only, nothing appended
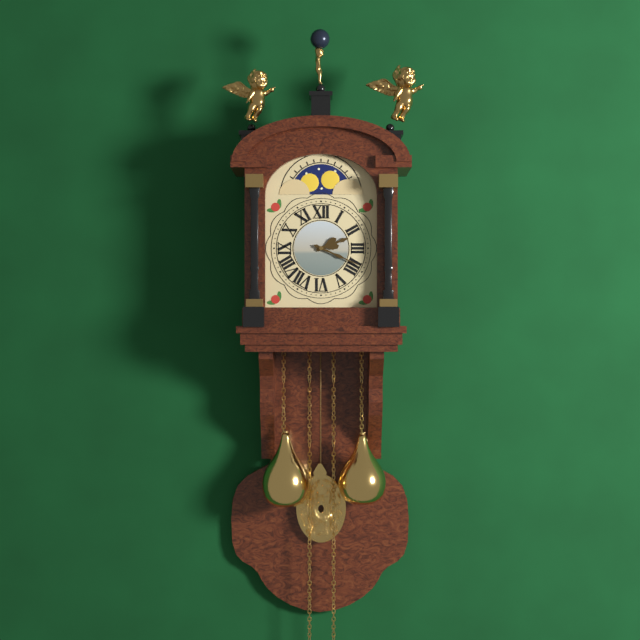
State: h=2 m=19
